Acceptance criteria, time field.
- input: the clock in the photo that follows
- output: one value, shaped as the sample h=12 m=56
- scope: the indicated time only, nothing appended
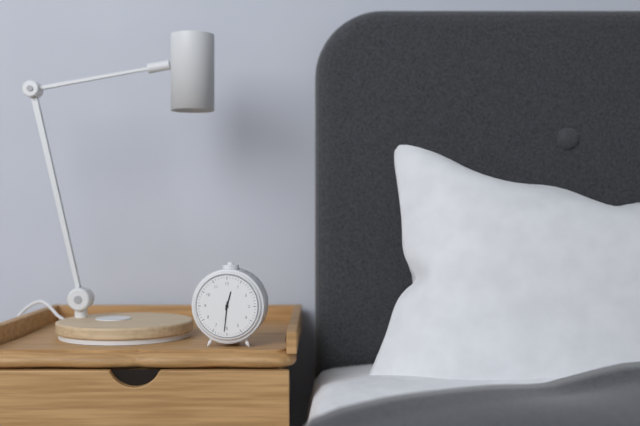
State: h=12 m=31
